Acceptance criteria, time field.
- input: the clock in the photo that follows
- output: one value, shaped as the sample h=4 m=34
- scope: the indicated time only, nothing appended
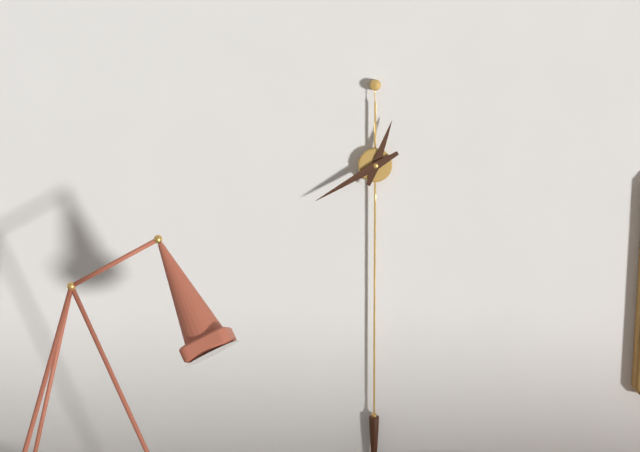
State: h=12 m=40
